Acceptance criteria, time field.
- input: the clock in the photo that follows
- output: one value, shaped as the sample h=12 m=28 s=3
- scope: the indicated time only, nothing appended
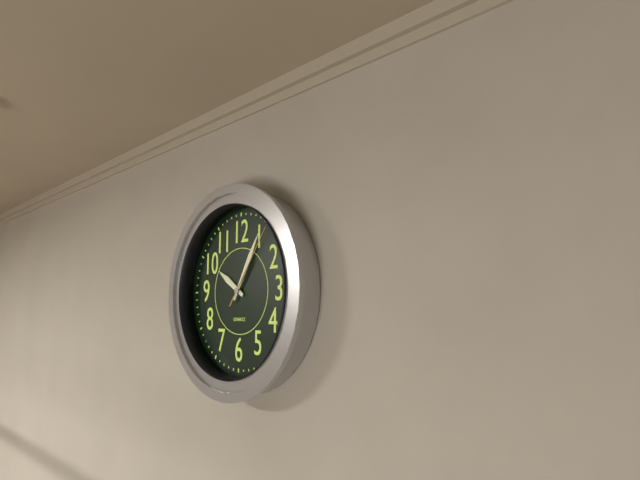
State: h=10 m=5 s=6
